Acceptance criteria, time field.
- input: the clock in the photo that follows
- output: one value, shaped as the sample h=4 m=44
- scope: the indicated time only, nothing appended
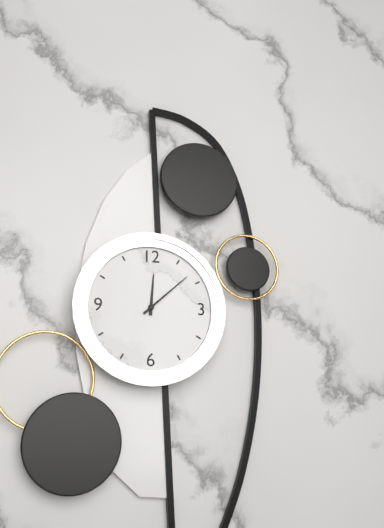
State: h=12 m=8
